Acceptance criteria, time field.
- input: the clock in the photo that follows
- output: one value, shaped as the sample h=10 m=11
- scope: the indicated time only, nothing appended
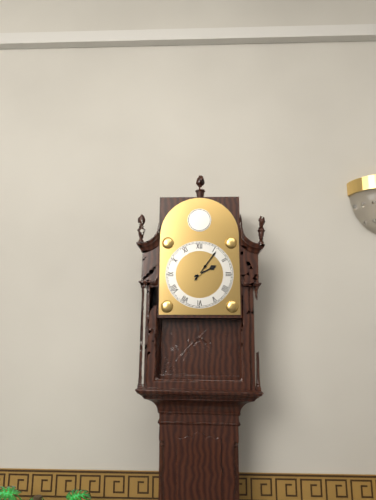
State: h=2 m=6
